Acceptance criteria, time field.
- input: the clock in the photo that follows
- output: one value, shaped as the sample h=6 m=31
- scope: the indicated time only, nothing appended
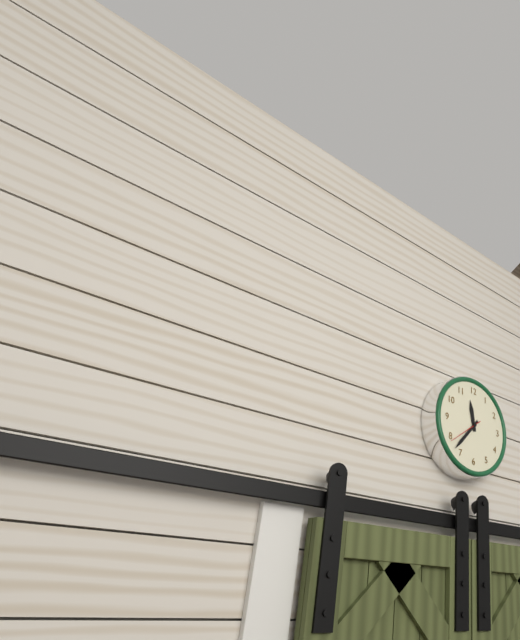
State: h=11 m=37
